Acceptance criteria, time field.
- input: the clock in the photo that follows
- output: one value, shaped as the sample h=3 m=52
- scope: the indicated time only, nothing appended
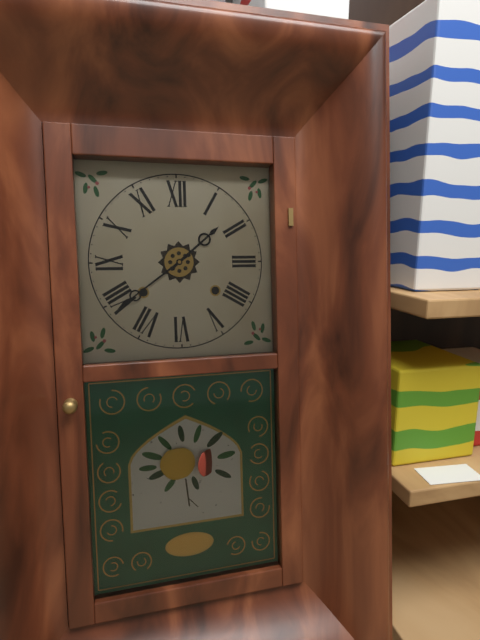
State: h=1 m=39
